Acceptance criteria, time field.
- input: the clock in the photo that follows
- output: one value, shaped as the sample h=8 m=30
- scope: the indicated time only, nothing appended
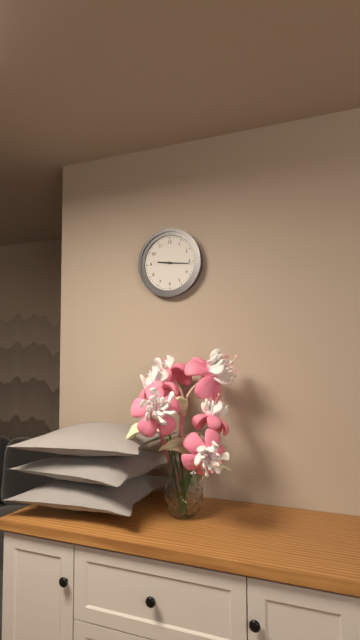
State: h=9 m=16
